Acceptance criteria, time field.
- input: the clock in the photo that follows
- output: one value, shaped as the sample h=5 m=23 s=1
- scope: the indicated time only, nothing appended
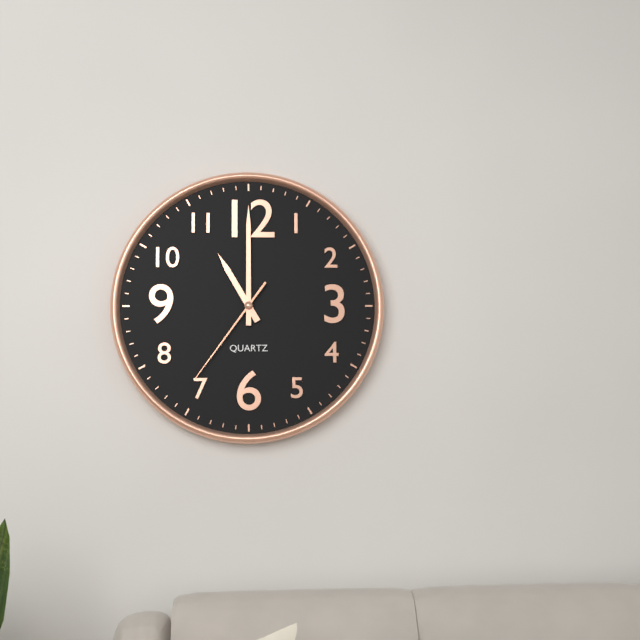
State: h=11 m=0 s=36
